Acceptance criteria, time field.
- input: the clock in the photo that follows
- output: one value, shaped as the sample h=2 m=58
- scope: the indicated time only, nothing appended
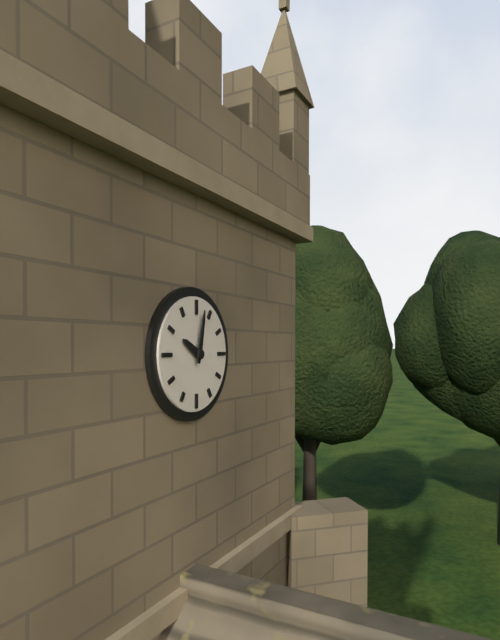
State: h=10 m=2
